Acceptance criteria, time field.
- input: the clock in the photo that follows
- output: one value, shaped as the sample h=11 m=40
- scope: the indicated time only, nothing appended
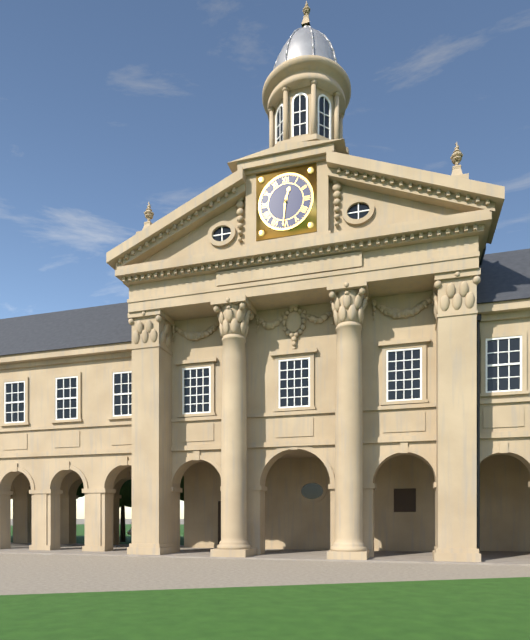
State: h=12 m=31
